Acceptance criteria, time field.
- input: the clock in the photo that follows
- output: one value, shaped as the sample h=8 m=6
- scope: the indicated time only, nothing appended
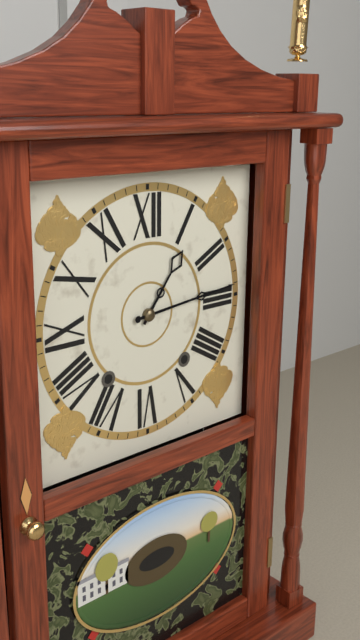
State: h=1 m=14
